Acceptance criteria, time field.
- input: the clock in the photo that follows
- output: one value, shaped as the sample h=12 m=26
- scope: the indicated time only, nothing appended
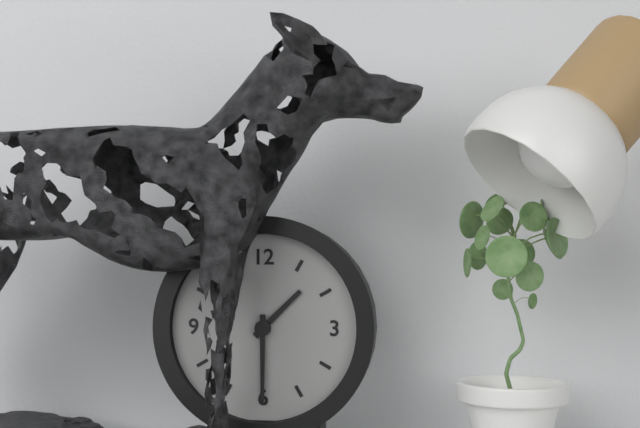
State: h=1 m=30
